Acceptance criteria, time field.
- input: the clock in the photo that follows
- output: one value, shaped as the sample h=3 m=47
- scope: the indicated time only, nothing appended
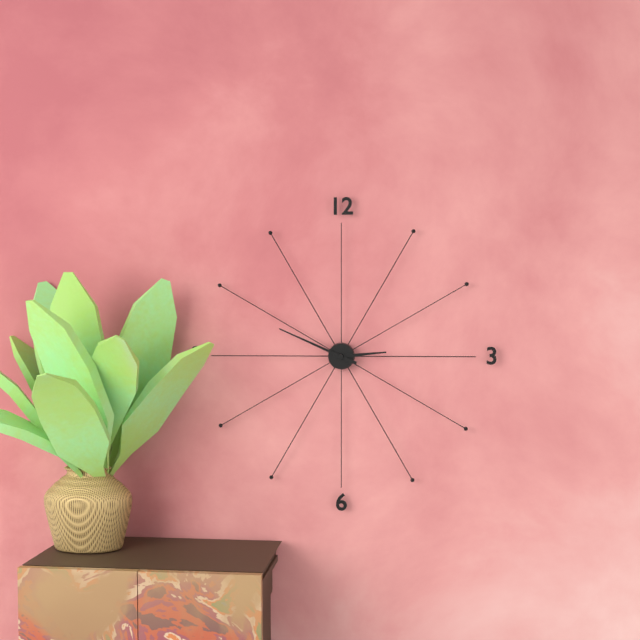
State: h=2 m=49
